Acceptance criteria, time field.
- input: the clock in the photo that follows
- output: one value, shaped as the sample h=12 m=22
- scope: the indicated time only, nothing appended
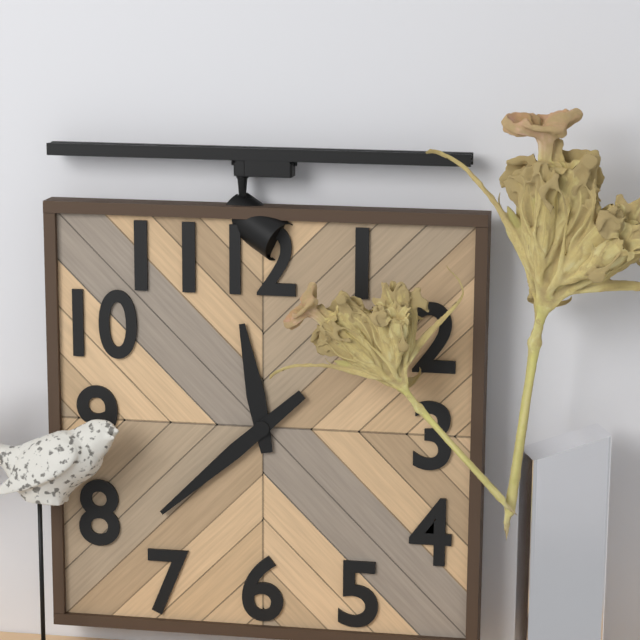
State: h=11 m=38
